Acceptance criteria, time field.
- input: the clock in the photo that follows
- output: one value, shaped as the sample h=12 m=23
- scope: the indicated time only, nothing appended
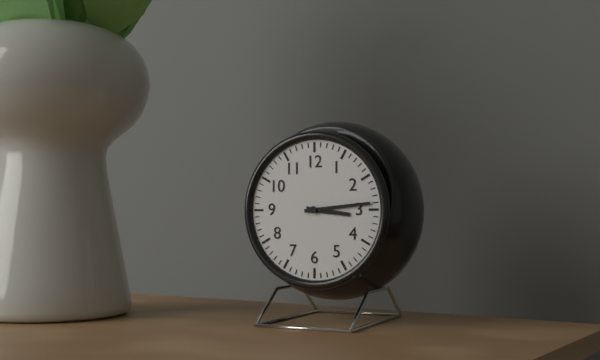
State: h=3 m=14
